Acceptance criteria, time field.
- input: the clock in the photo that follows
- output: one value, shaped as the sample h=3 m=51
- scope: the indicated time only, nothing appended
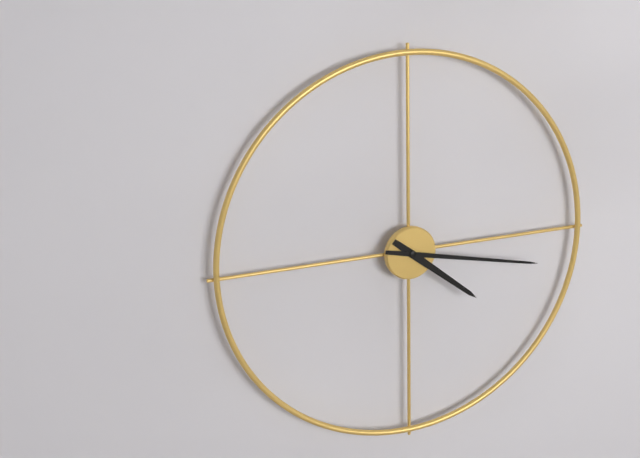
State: h=4 m=17
